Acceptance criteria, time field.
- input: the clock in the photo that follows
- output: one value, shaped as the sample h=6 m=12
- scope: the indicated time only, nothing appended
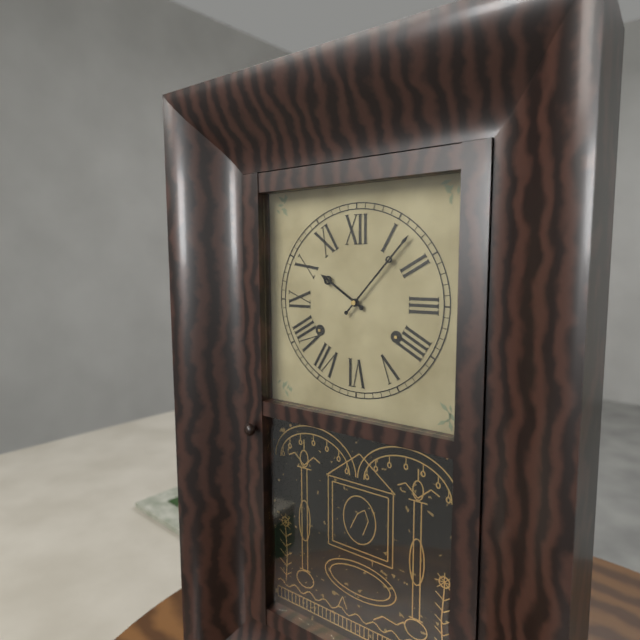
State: h=10 m=7
